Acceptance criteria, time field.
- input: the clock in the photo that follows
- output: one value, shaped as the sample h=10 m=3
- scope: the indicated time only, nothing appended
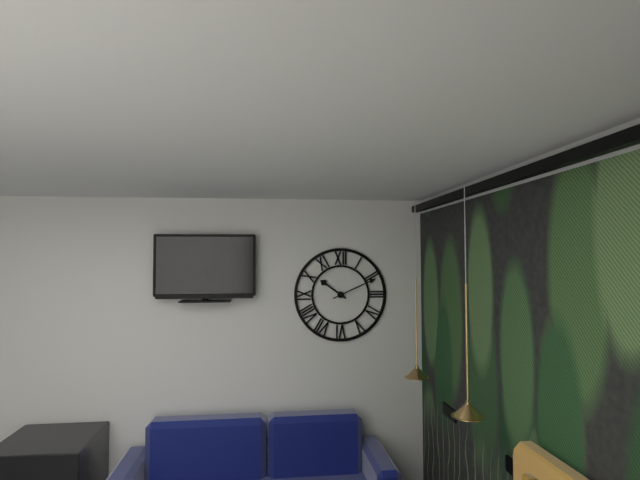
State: h=10 m=11
